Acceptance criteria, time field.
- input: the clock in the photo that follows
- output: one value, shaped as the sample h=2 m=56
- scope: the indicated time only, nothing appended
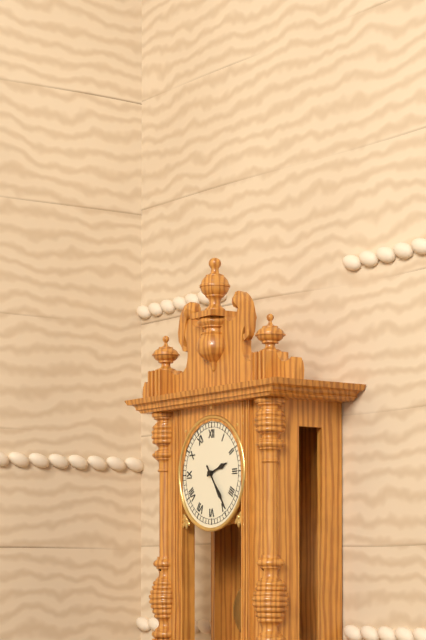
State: h=2 m=24
